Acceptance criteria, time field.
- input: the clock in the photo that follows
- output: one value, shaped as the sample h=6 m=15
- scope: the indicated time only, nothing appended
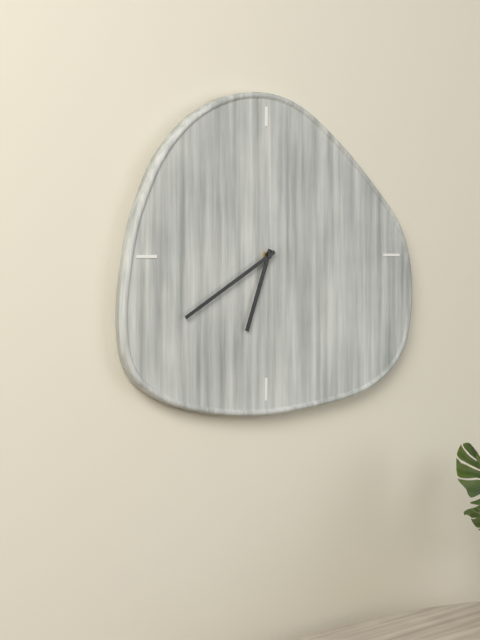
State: h=6 m=40
